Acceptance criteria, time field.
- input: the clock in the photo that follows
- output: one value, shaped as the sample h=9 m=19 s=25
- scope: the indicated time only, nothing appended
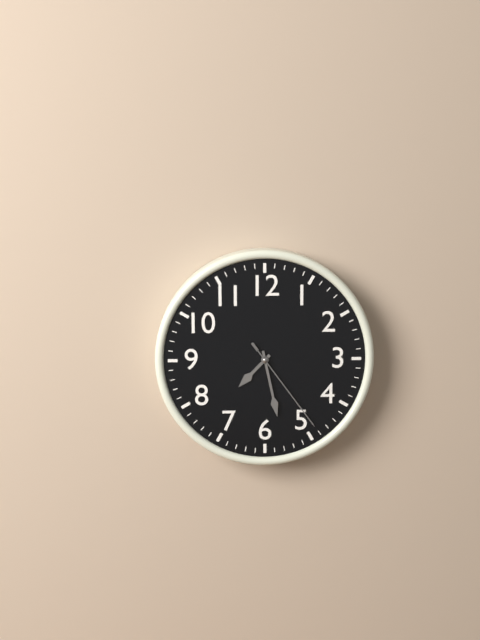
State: h=7 m=28 s=24
